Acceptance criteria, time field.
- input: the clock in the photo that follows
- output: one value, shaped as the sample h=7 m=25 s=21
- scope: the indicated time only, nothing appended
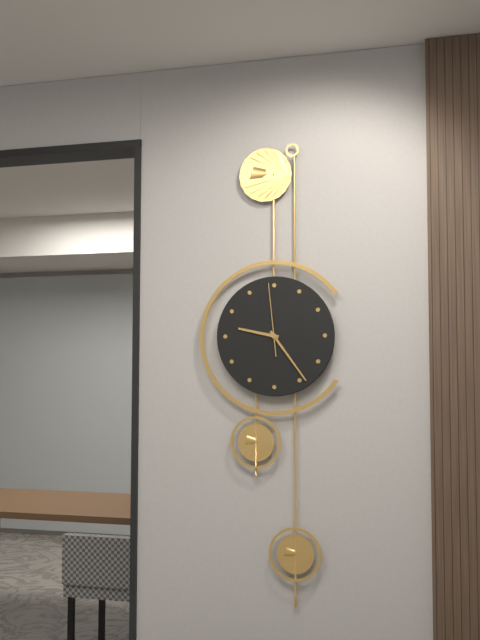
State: h=9 m=24 s=59
